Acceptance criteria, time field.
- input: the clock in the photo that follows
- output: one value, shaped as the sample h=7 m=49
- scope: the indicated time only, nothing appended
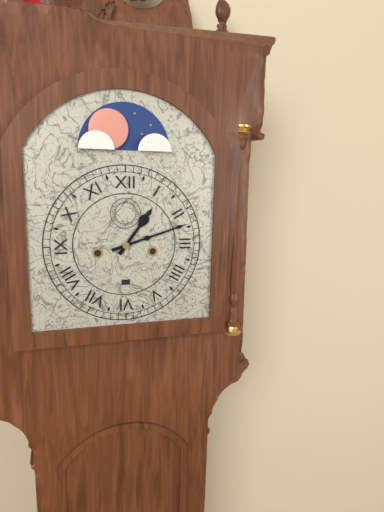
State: h=1 m=12
